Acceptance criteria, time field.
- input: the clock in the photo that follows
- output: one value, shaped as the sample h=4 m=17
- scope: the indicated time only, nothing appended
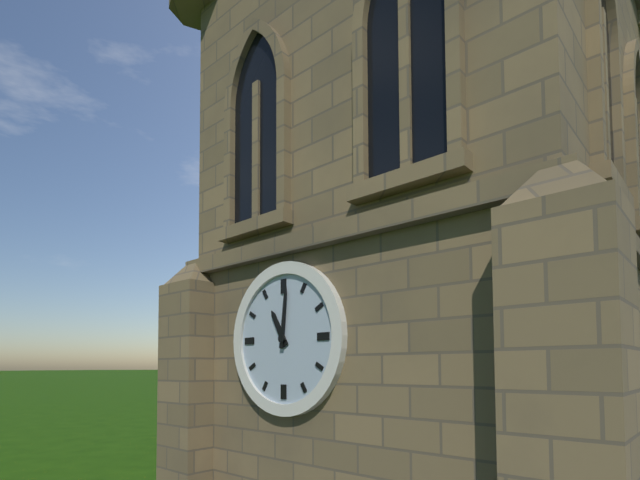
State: h=11 m=1
